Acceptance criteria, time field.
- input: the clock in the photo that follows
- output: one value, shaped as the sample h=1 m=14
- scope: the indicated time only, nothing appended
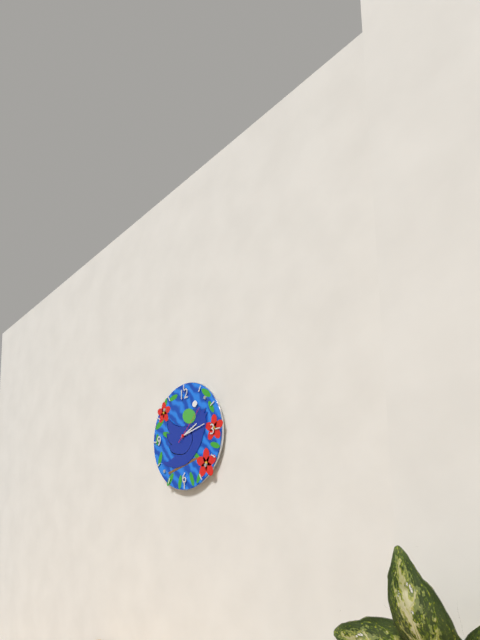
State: h=2 m=13
